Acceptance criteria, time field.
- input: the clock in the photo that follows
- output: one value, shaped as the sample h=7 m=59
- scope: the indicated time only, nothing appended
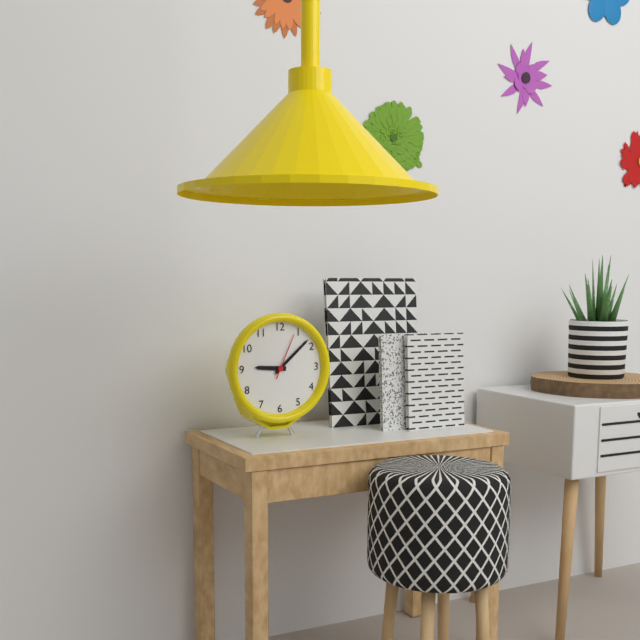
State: h=9 m=8
